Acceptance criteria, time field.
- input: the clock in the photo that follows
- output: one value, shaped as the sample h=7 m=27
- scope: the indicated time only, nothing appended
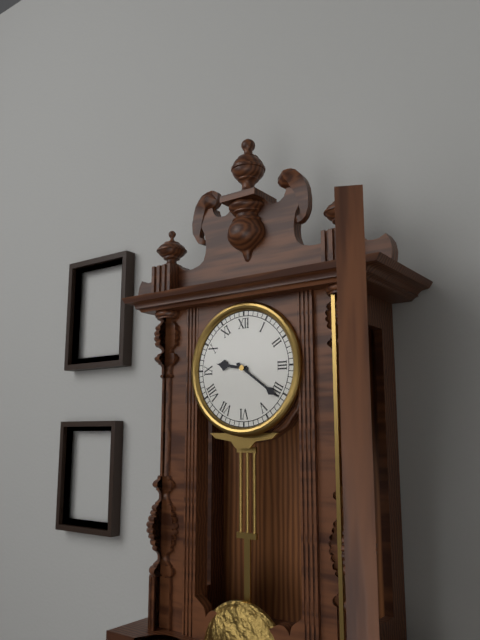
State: h=9 m=21
